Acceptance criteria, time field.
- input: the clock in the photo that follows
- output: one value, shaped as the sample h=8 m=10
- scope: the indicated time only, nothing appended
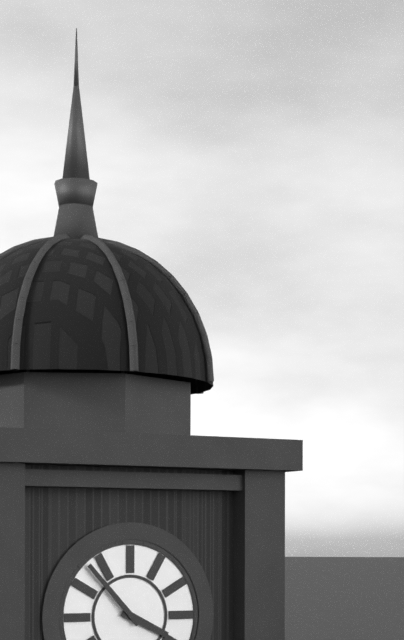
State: h=3 m=53
